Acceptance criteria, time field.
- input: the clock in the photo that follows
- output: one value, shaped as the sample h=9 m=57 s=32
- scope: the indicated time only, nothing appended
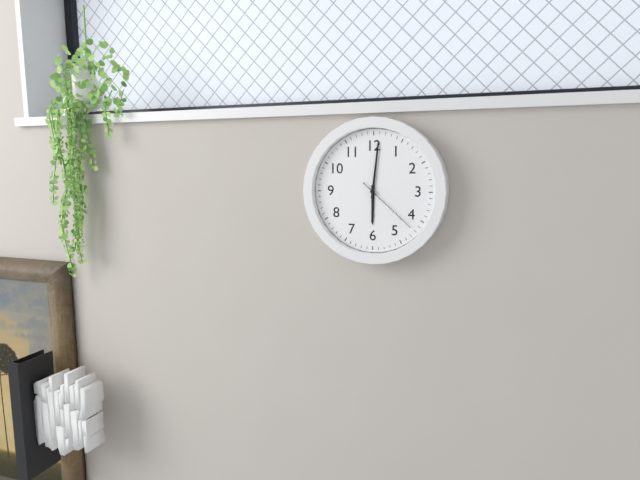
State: h=6 m=1 s=22
